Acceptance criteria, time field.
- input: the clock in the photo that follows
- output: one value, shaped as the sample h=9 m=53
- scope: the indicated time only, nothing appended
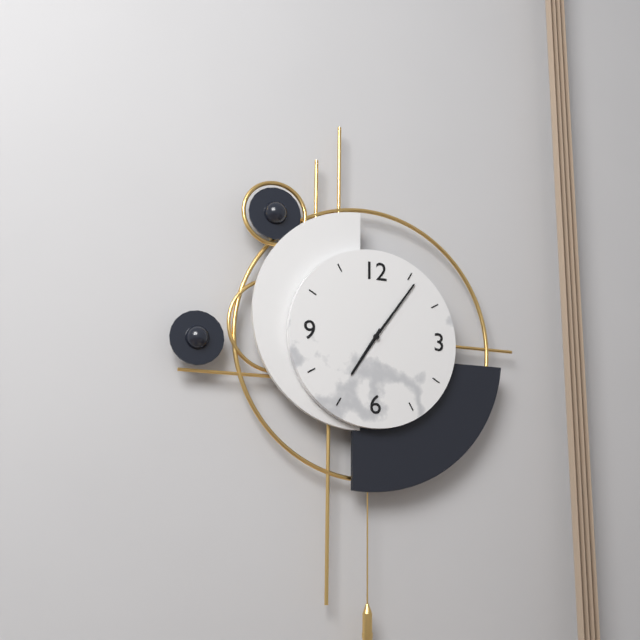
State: h=7 m=6
